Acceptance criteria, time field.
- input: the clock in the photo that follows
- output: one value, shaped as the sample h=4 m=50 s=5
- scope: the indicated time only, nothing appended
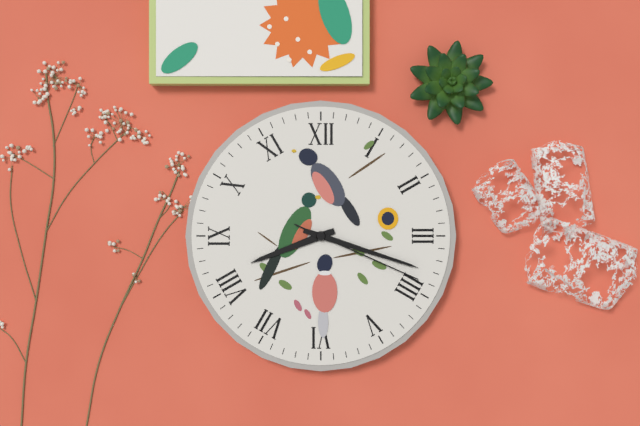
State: h=8 m=18 s=19
